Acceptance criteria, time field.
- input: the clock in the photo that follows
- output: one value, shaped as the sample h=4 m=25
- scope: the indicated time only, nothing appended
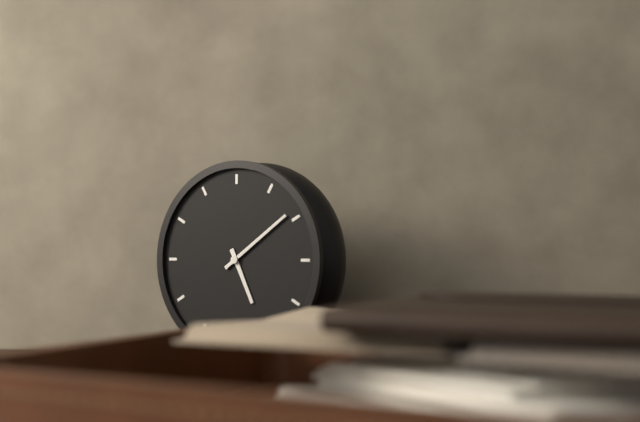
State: h=5 m=9
